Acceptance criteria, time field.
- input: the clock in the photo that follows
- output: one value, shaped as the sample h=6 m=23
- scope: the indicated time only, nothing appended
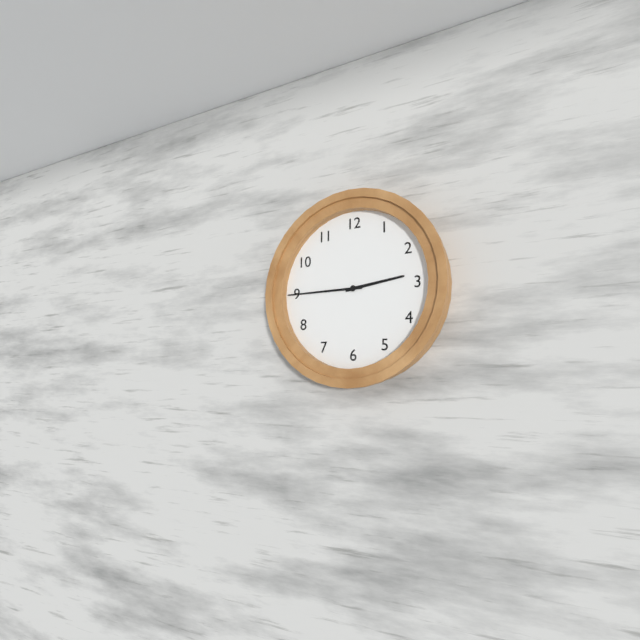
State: h=2 m=45
